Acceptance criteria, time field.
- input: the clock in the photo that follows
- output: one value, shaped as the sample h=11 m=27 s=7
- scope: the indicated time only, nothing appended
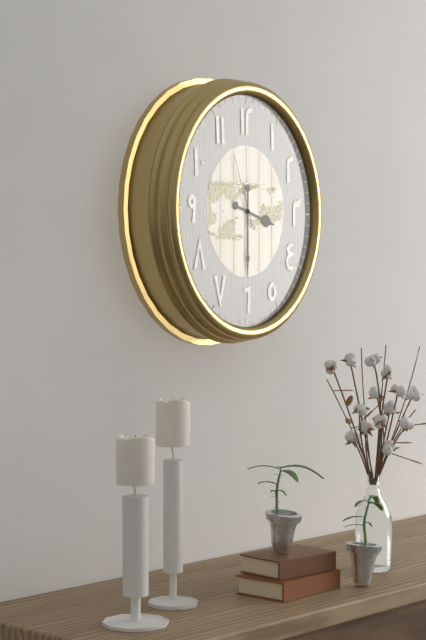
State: h=3 m=30 s=56
